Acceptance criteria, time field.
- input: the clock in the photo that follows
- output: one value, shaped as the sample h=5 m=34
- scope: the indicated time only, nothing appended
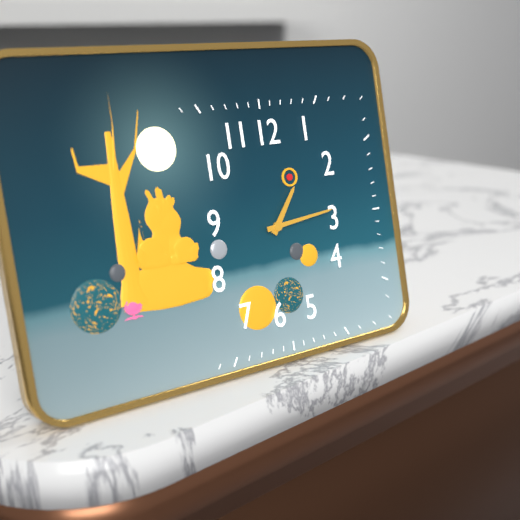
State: h=1 m=14
